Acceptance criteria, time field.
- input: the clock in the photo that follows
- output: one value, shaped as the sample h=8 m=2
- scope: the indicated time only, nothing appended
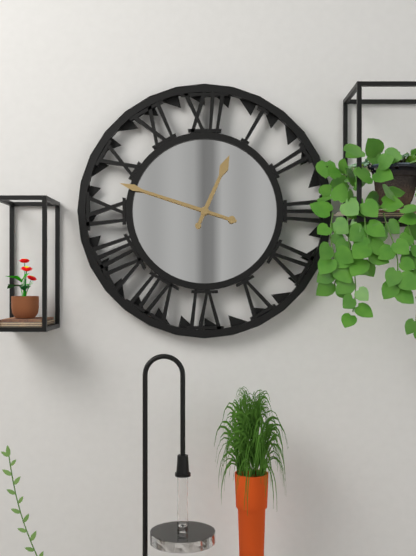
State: h=12 m=48
